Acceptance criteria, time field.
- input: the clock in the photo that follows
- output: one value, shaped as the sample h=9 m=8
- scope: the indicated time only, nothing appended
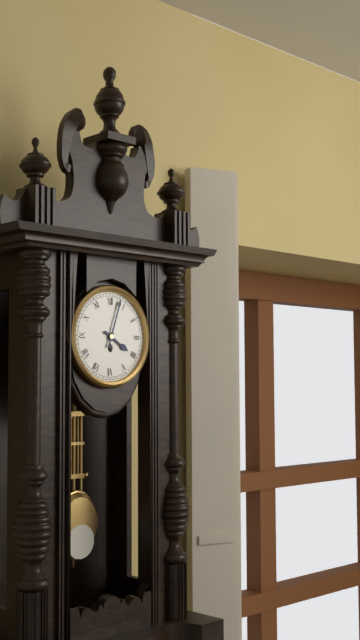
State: h=4 m=3
